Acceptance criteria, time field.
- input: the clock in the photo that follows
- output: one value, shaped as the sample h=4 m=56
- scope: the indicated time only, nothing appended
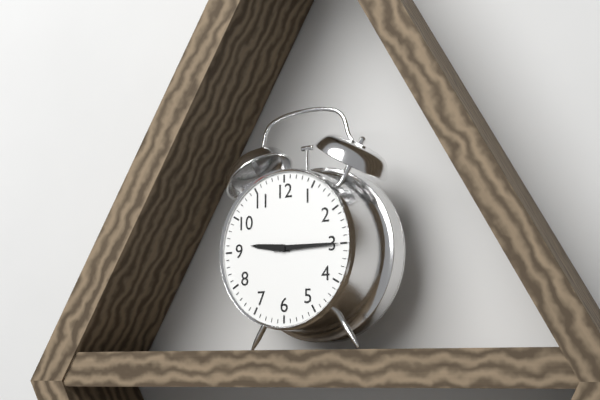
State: h=9 m=15
